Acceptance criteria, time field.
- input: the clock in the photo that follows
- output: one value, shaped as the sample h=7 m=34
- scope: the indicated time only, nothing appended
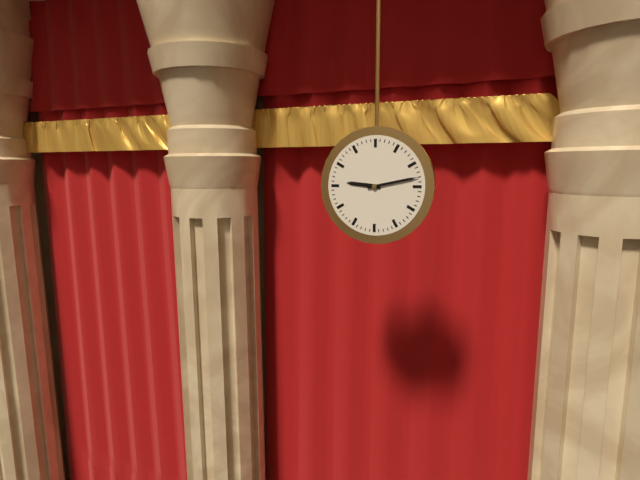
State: h=9 m=13
